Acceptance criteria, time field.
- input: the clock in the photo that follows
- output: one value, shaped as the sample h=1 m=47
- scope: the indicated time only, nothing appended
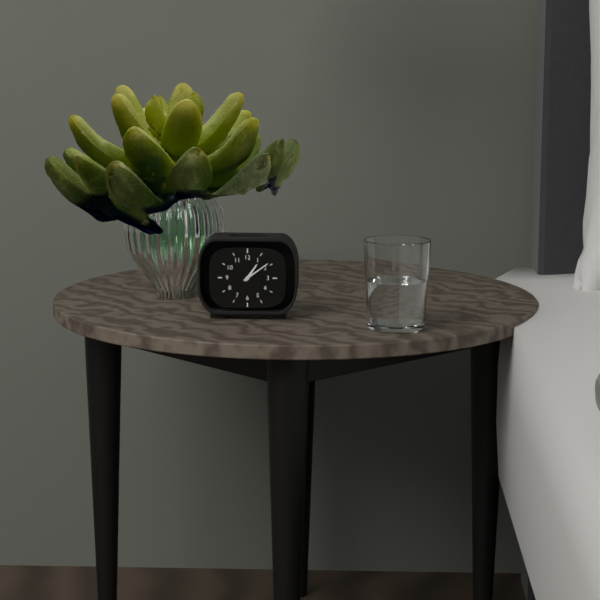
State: h=1 m=9
